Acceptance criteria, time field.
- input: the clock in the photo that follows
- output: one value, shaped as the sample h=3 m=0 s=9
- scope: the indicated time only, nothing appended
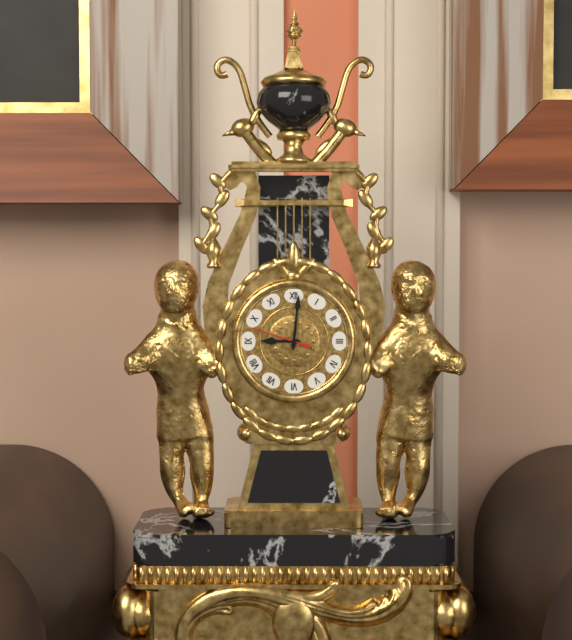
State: h=9 m=1 s=48
